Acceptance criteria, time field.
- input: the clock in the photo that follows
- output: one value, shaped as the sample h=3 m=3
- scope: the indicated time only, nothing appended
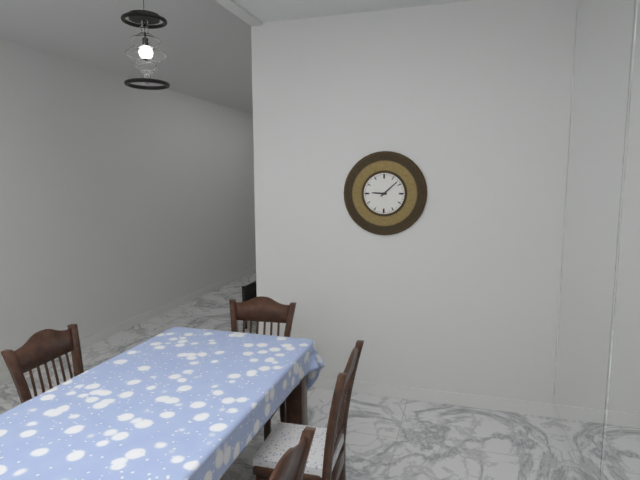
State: h=9 m=8
